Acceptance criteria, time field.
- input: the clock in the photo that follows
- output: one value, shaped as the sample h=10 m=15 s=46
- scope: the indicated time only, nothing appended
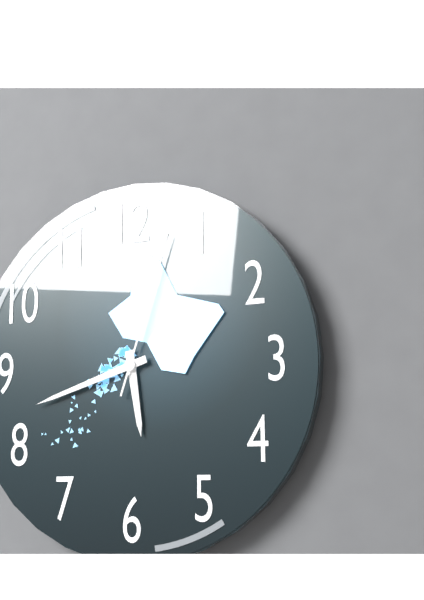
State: h=5 m=42 s=3
